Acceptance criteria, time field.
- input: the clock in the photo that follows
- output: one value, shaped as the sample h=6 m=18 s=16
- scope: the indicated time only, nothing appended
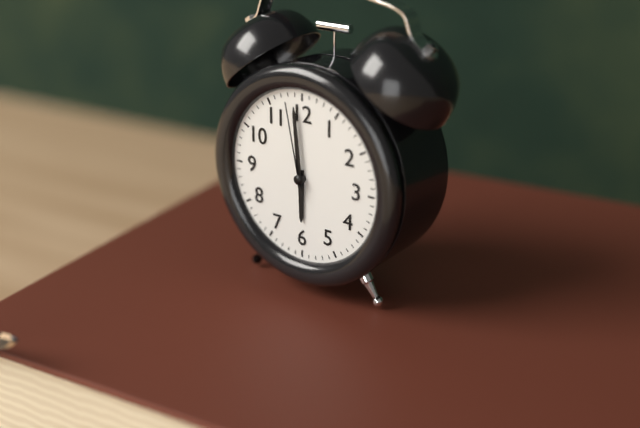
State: h=5 m=59 s=58
